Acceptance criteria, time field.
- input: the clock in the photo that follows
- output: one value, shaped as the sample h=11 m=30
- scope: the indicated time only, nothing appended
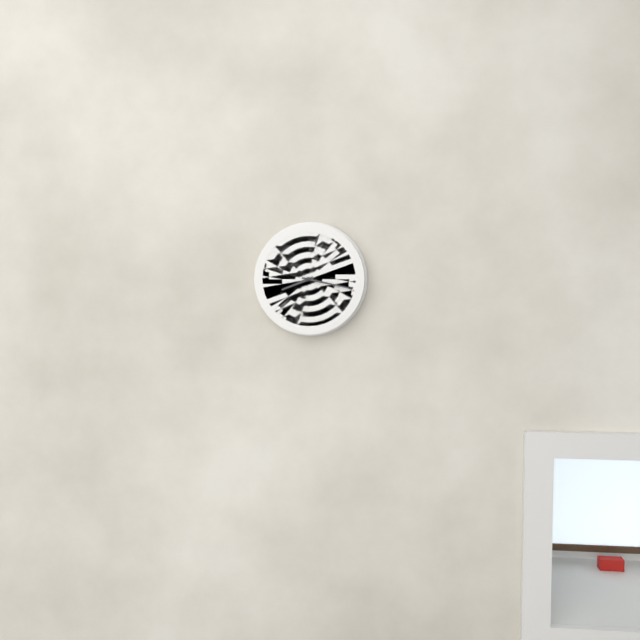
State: h=8 m=17
